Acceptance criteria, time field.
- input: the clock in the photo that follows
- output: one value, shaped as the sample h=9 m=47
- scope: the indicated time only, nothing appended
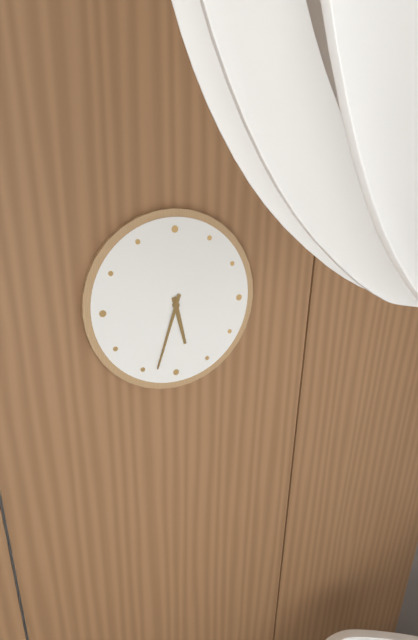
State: h=5 m=33
